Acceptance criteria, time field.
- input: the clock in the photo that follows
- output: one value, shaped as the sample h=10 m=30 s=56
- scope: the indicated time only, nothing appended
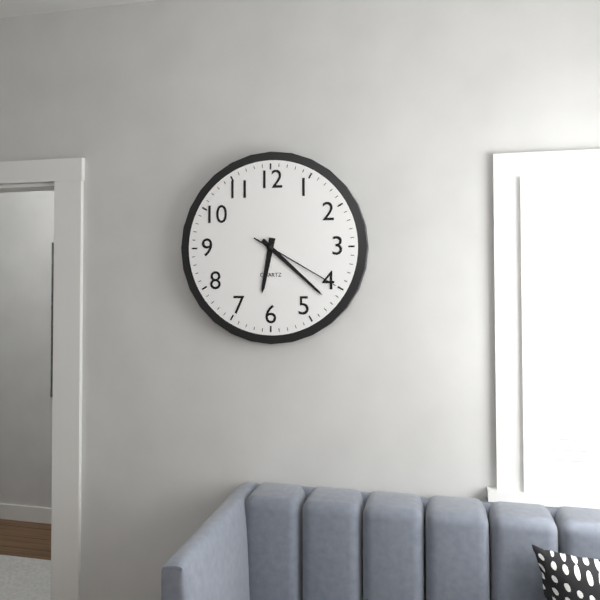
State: h=6 m=22 s=20
